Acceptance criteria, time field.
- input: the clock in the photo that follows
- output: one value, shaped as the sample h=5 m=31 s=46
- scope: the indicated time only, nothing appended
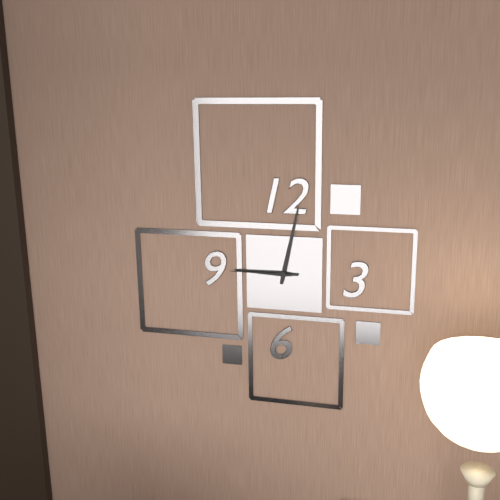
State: h=9 m=2 s=45
